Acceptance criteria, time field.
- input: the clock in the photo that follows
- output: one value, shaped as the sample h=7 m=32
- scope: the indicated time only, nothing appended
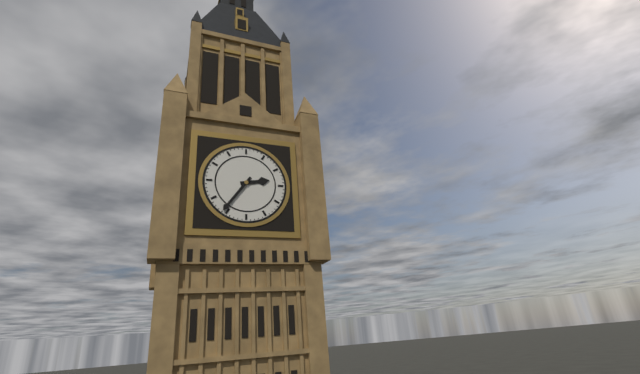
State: h=2 m=36
